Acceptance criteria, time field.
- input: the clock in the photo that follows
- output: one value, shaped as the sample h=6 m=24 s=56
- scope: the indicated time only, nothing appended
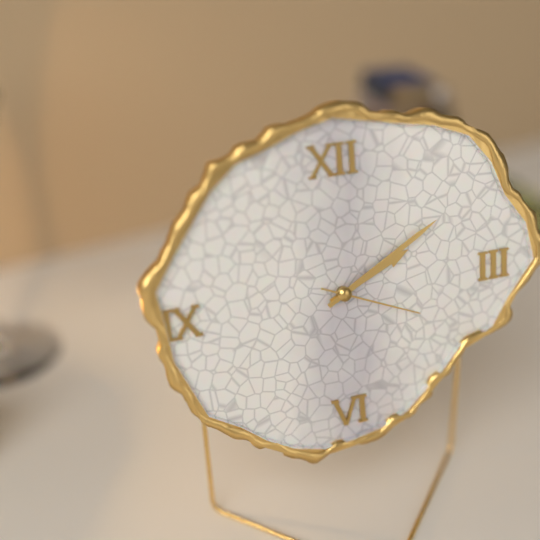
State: h=2 m=10 s=19
